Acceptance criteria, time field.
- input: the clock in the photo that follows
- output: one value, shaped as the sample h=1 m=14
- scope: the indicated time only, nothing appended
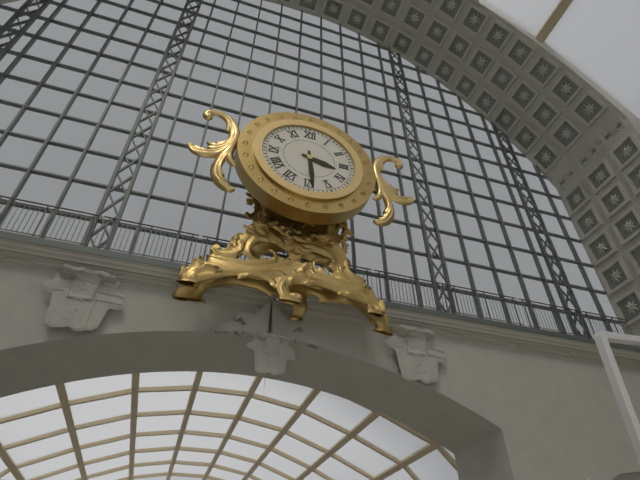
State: h=3 m=29
